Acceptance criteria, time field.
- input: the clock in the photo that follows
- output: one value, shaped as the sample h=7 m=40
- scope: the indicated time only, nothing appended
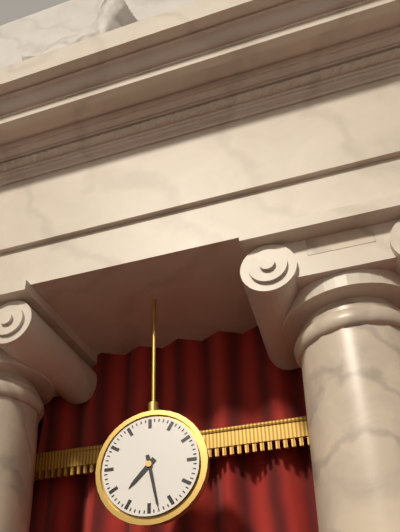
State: h=7 m=28
